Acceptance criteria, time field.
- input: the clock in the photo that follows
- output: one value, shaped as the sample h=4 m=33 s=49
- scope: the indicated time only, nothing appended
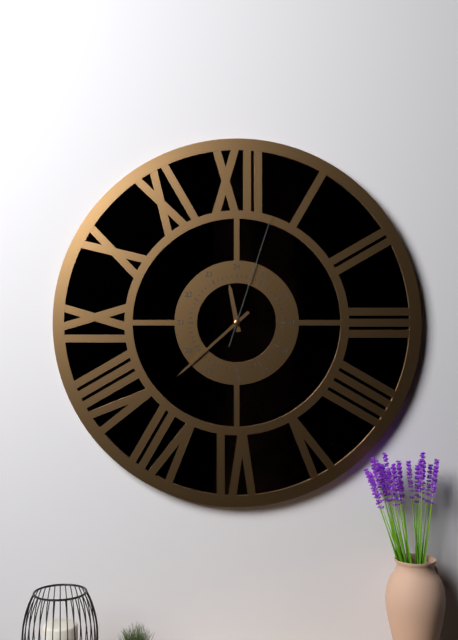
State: h=11 m=38 s=3
